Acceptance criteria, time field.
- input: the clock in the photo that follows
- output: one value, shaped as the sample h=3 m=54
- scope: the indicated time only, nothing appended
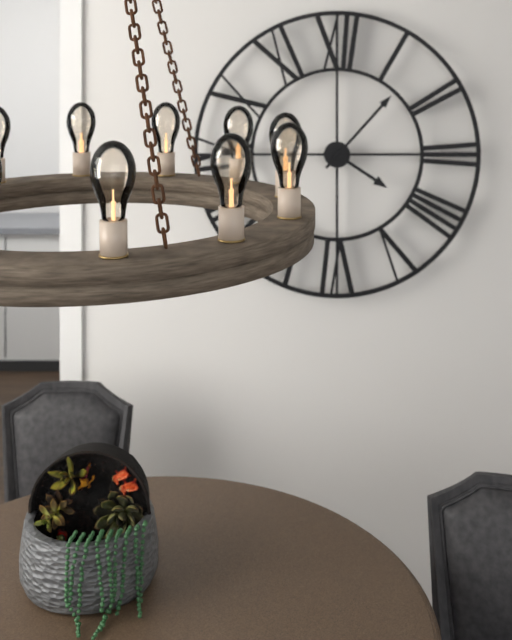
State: h=4 m=7
